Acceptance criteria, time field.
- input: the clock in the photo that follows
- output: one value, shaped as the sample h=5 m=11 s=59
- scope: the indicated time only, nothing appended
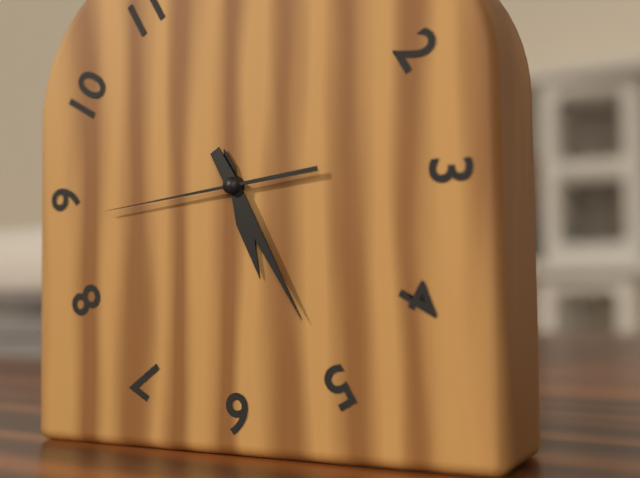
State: h=5 m=25 s=44
